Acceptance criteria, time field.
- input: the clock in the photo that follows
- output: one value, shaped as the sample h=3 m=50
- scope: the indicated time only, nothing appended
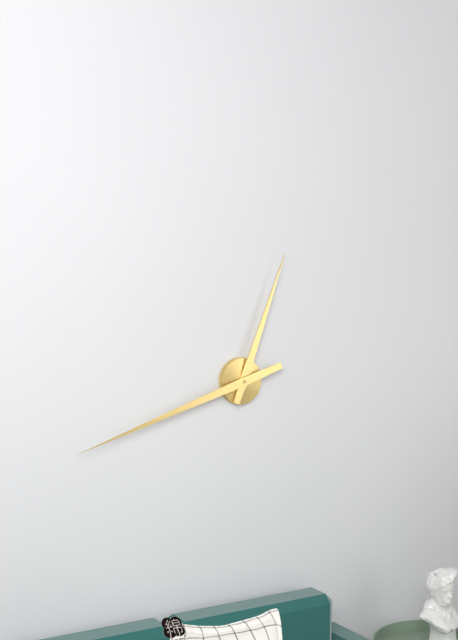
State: h=12 m=42
